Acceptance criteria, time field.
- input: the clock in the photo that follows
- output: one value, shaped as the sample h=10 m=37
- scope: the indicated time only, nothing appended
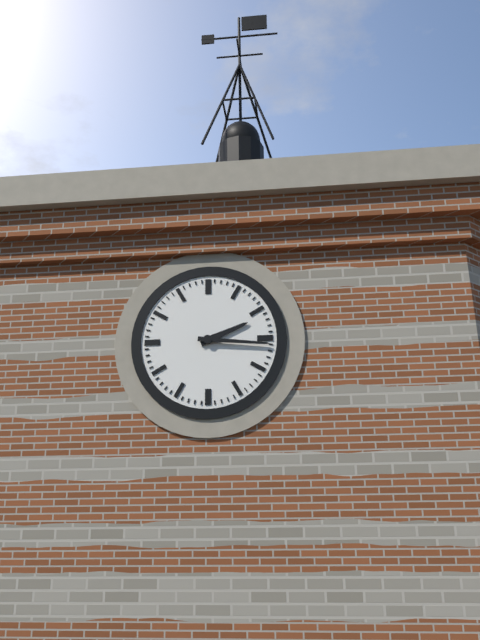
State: h=2 m=16
